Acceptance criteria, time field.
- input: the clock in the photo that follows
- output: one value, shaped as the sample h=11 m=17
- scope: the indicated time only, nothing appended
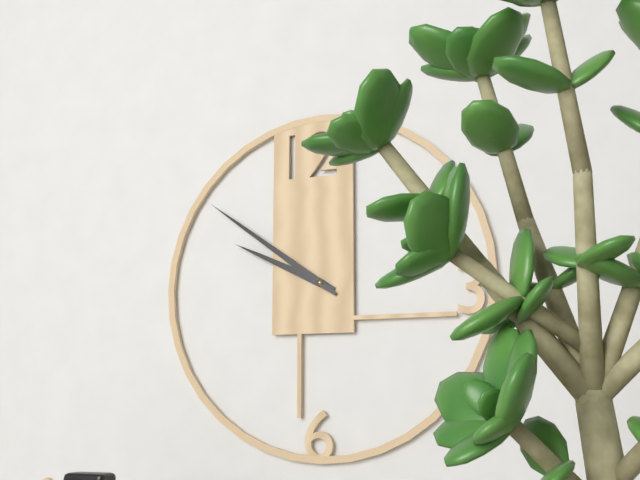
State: h=9 m=51
